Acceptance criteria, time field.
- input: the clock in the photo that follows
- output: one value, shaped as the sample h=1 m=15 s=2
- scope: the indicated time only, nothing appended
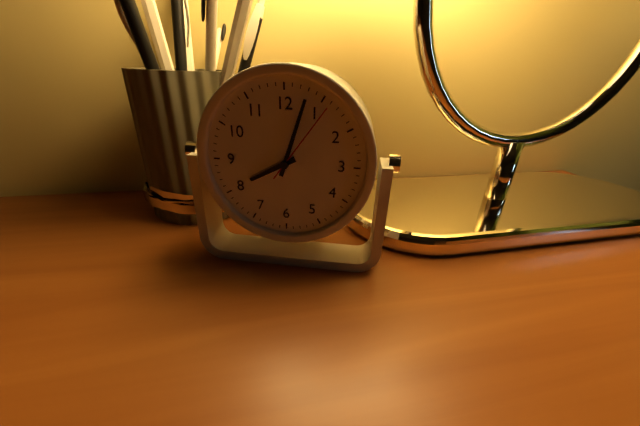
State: h=8 m=3 s=6
